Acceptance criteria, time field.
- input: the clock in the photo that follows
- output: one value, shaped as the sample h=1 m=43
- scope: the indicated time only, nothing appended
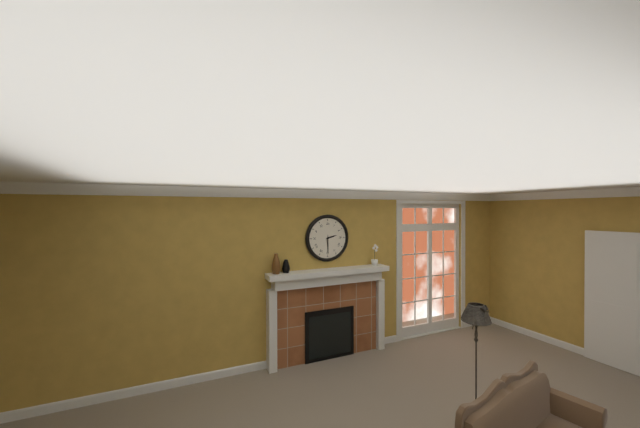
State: h=2 m=30
